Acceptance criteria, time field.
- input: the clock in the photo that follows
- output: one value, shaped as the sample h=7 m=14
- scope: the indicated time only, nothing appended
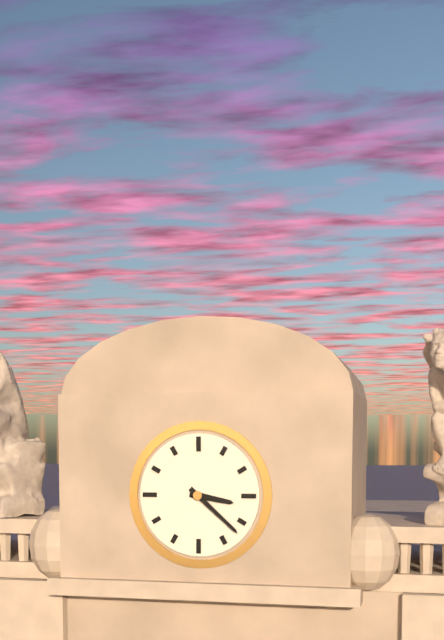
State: h=3 m=22
